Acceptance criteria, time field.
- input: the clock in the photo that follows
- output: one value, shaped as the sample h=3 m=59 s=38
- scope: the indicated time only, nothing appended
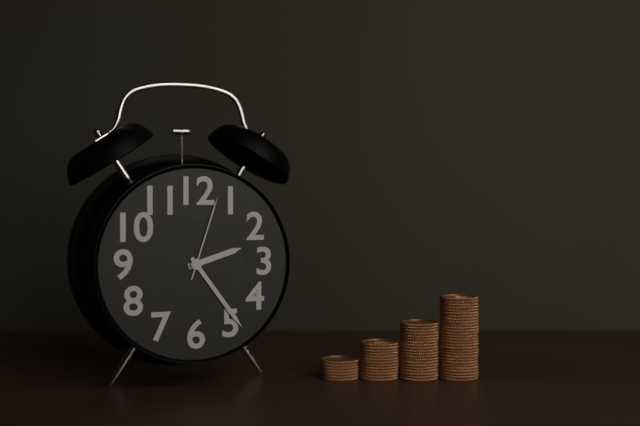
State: h=2 m=24 s=3
